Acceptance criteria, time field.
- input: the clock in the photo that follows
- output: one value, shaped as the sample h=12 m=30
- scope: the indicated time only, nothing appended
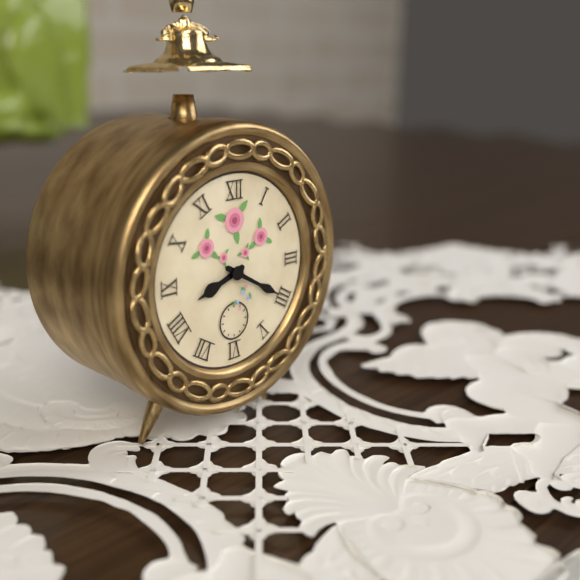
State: h=8 m=20
